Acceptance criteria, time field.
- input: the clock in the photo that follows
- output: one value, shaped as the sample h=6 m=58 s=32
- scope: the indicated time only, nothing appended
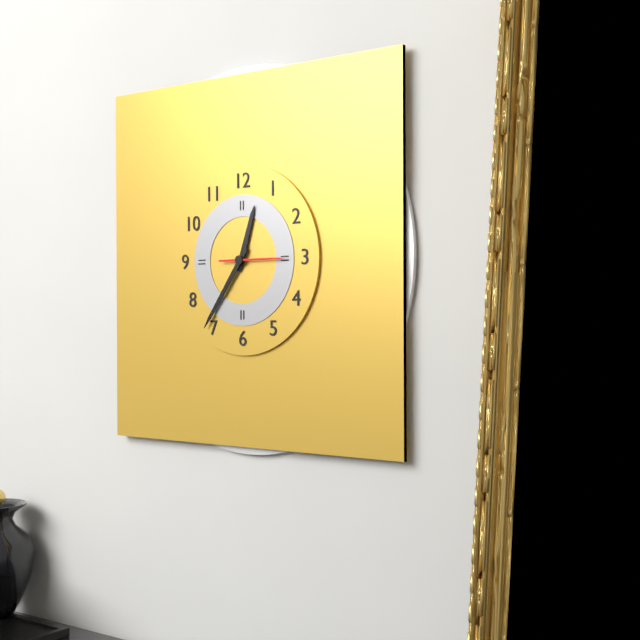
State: h=12 m=36 s=15
